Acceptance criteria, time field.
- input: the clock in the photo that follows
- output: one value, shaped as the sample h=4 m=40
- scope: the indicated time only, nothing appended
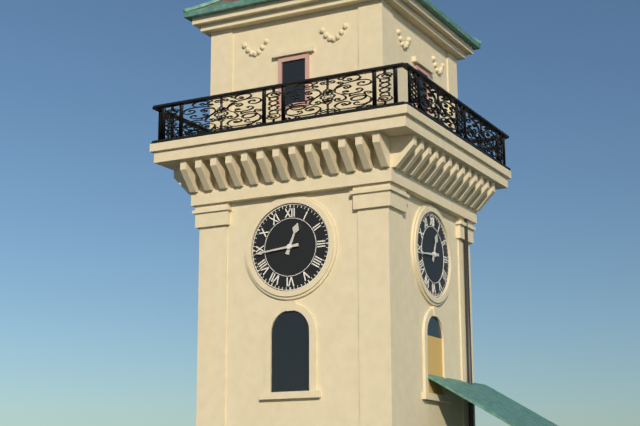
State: h=12 m=44
